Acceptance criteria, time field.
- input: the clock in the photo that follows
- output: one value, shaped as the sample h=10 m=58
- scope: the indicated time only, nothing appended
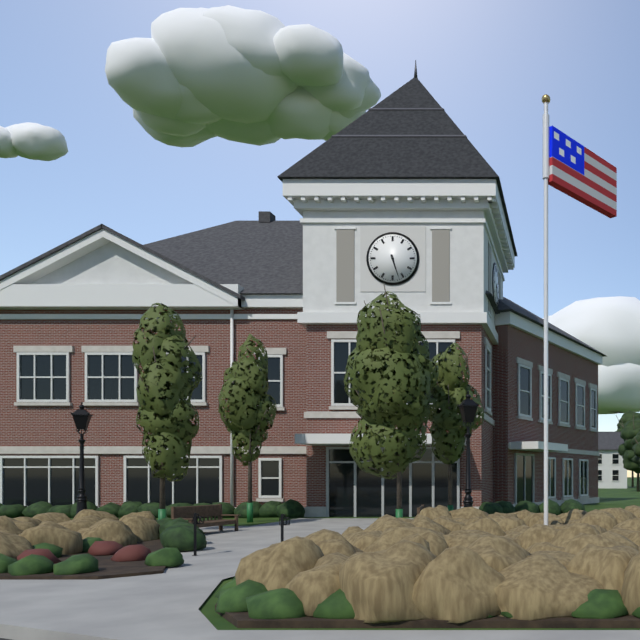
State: h=5 m=27
